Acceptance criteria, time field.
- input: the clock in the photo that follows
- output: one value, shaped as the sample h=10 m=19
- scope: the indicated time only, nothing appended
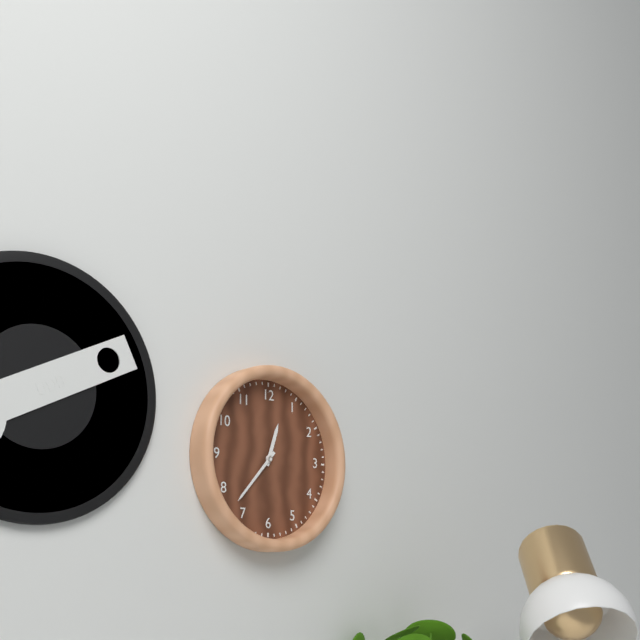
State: h=12 m=37
